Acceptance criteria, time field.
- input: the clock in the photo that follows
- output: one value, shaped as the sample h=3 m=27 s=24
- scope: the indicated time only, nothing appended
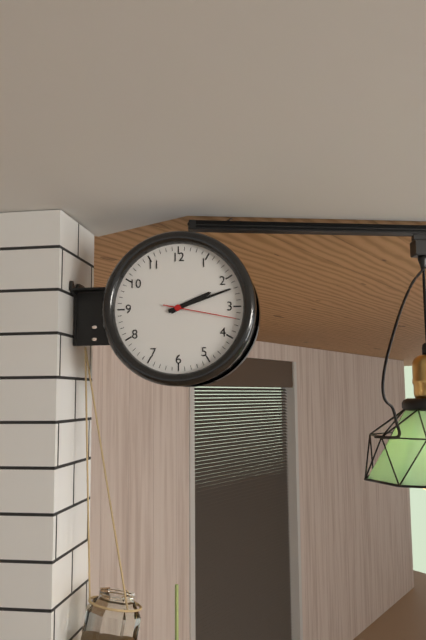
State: h=2 m=12 s=17
